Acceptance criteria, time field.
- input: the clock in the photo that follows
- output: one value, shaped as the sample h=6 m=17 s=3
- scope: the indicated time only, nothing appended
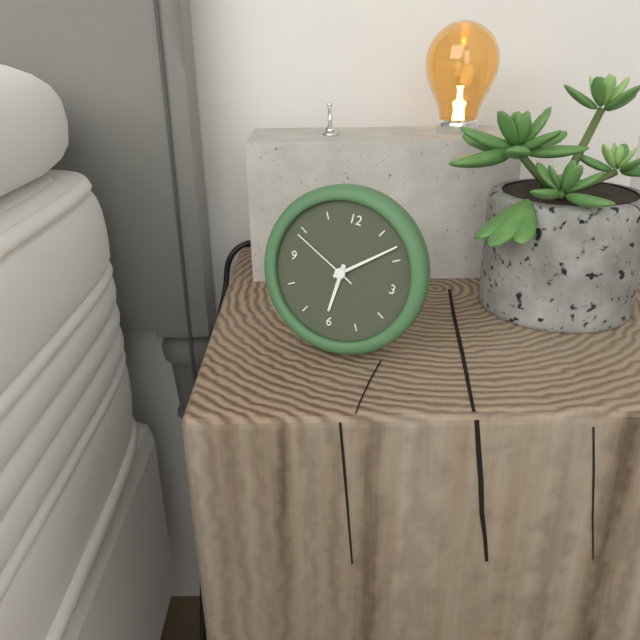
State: h=6 m=8 s=49
